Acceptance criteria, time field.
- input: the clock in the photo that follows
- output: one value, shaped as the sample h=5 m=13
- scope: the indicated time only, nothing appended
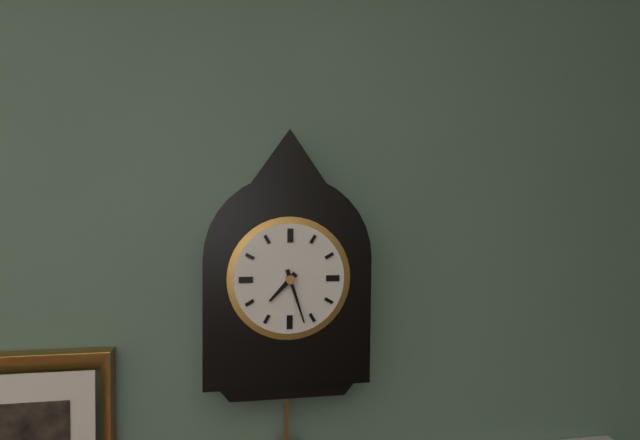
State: h=7 m=27
